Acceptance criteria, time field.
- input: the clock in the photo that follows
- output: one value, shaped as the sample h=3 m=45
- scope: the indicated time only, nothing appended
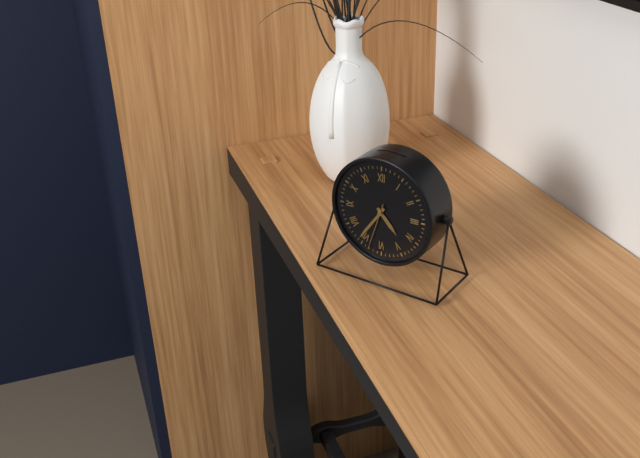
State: h=4 m=36
